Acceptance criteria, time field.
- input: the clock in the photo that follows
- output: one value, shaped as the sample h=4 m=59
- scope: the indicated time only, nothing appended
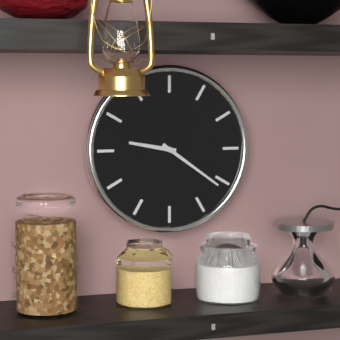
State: h=9 m=21
